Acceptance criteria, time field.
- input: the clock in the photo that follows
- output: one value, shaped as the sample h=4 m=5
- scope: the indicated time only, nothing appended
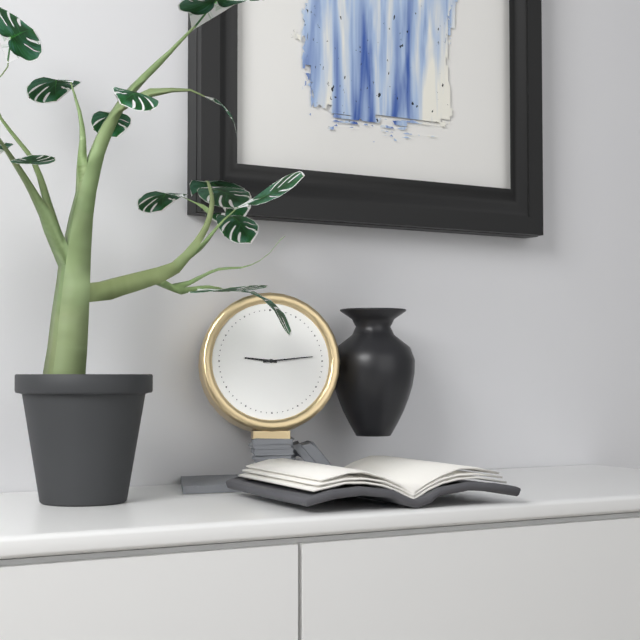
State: h=9 m=14
